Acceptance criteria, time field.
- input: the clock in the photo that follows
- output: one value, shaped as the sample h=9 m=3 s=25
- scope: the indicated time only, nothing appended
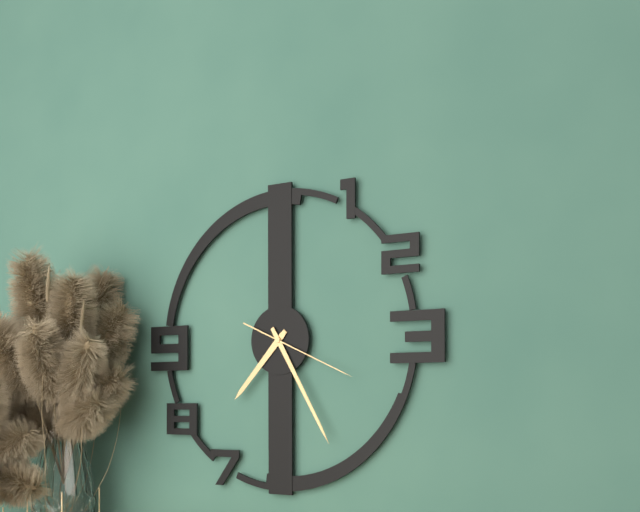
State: h=7 m=25 s=19
